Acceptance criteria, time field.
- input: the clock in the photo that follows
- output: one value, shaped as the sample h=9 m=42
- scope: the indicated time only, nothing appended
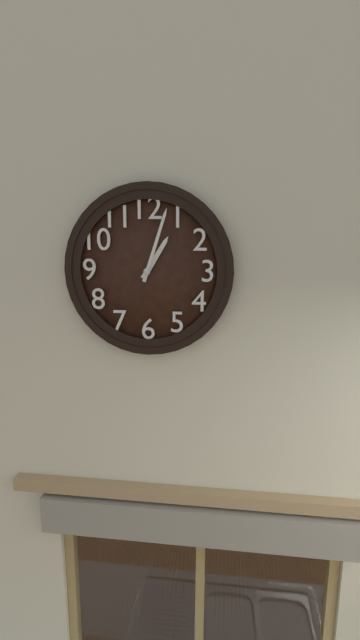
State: h=1 m=3
